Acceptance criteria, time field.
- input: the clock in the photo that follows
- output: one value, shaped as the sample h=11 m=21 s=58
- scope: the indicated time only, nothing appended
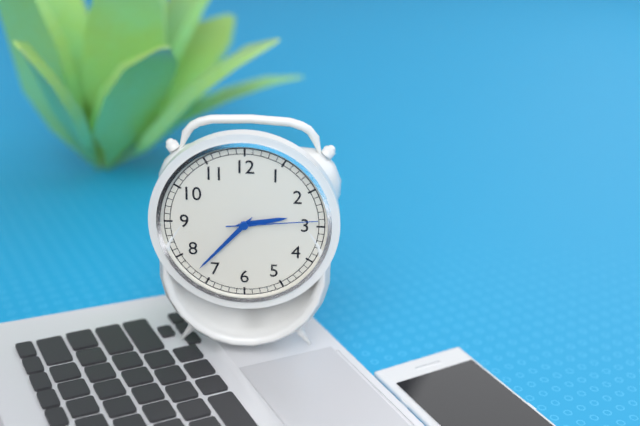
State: h=2 m=37 s=14
